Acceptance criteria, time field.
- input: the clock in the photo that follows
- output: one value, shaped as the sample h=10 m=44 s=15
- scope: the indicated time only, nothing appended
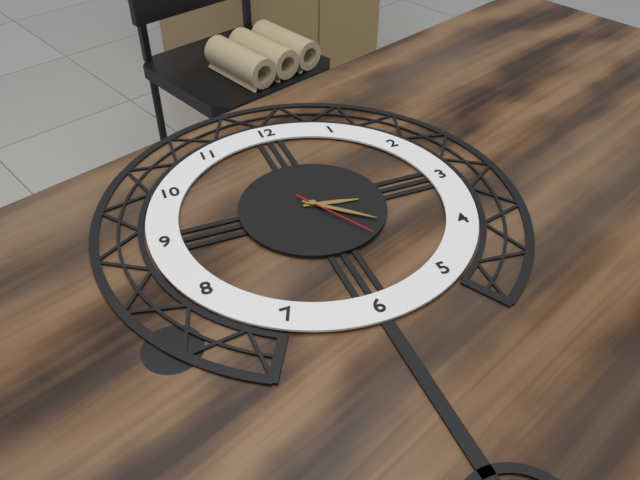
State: h=3 m=22 s=25
